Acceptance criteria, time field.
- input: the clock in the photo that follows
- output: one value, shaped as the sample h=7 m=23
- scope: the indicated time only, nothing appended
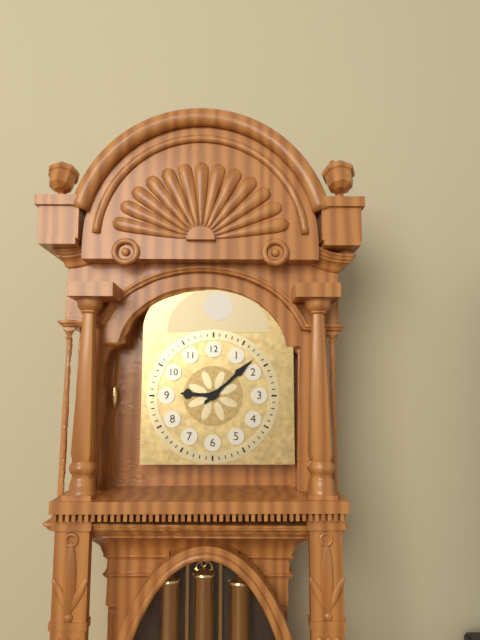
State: h=9 m=8
